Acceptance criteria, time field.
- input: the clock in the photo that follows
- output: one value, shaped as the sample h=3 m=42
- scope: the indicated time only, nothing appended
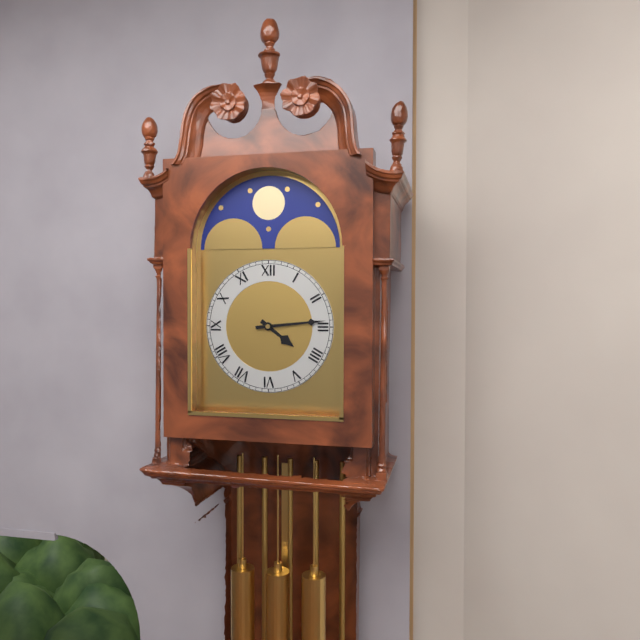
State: h=4 m=14
